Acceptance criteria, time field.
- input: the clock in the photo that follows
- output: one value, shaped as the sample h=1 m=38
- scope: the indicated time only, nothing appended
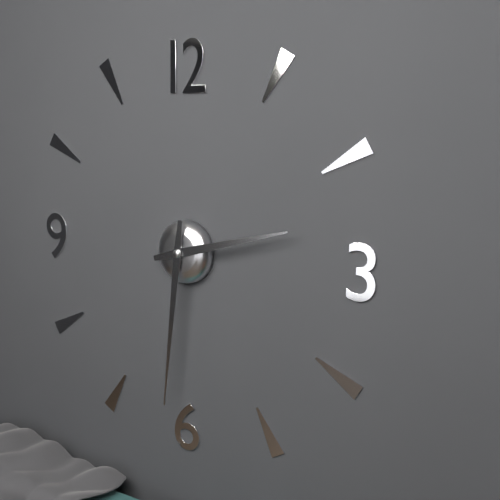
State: h=2 m=31
